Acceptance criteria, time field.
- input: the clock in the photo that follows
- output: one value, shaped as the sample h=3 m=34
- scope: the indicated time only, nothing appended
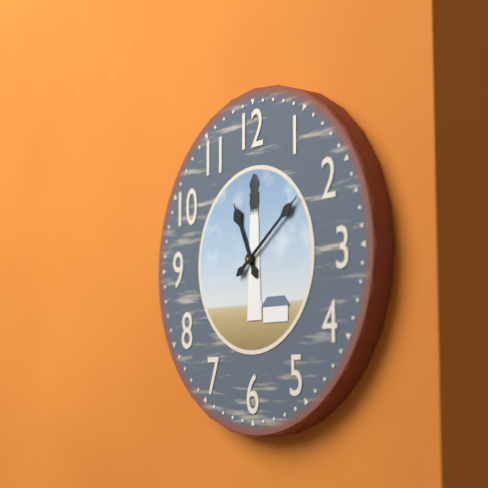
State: h=11 m=9
